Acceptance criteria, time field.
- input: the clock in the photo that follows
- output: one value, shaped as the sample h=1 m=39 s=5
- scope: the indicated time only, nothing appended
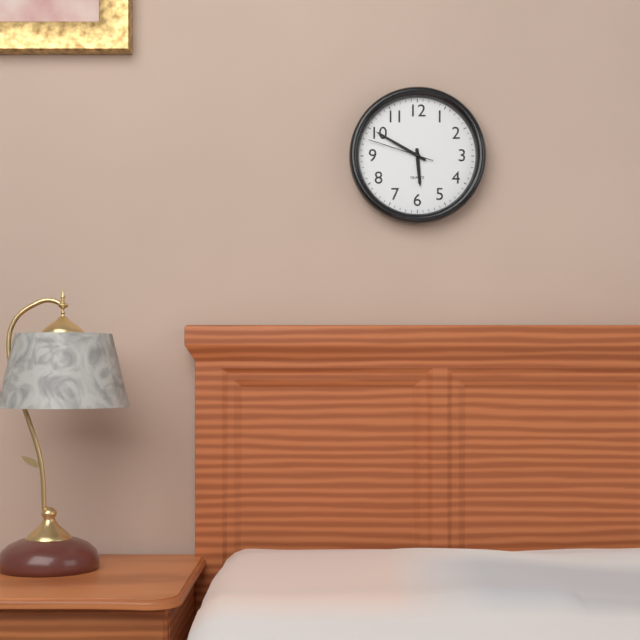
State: h=5 m=50 s=48
